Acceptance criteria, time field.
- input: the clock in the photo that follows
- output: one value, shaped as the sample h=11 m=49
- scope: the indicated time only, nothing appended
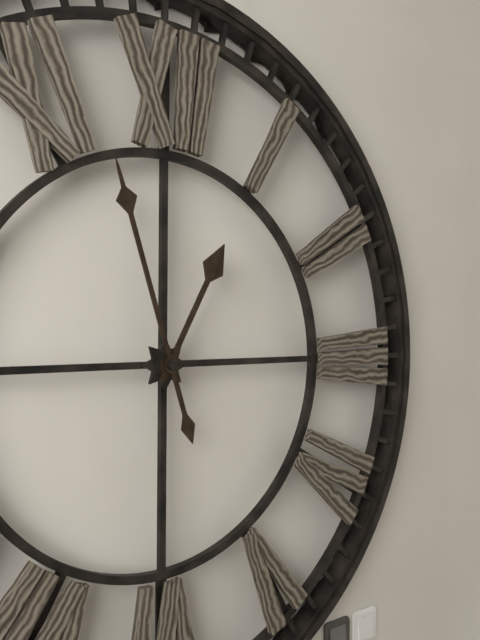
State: h=12 m=57
